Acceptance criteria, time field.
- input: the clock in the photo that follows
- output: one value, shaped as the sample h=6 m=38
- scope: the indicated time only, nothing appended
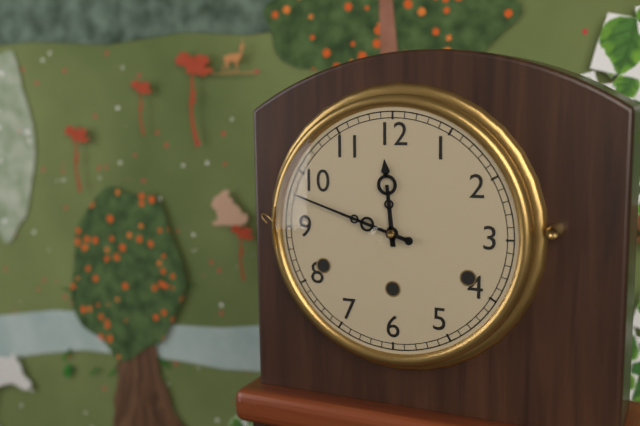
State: h=11 m=48
